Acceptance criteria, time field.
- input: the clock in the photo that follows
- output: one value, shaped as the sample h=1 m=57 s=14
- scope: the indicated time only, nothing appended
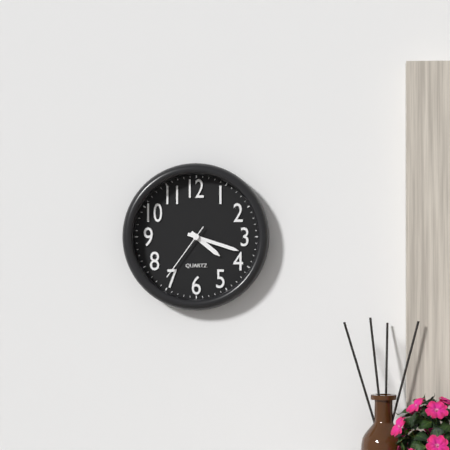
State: h=4 m=18 s=36
